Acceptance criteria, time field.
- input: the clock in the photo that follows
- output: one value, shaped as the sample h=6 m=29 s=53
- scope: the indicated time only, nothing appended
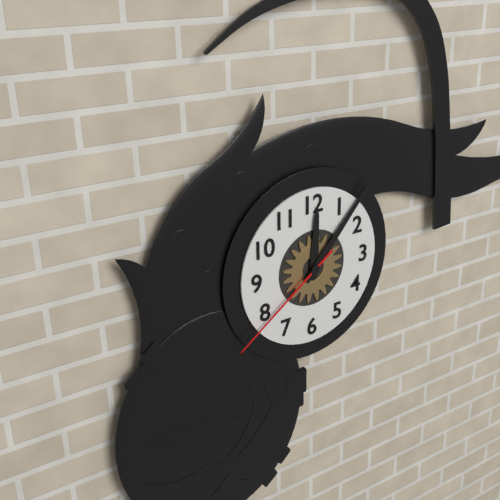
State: h=12 m=7 s=39
